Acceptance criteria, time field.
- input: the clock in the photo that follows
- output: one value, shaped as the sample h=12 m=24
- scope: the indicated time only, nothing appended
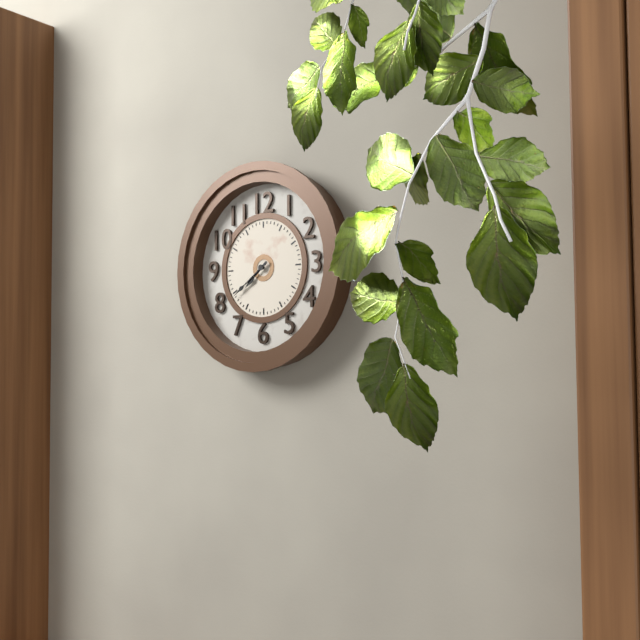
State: h=7 m=39
